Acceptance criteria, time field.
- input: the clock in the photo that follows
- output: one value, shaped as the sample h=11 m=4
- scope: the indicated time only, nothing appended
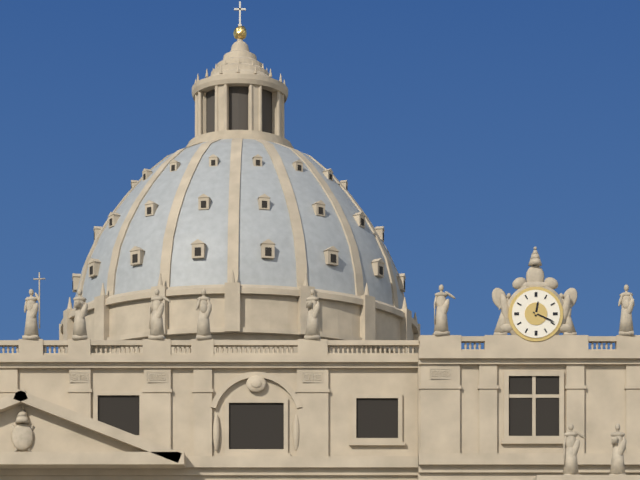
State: h=12 m=19
